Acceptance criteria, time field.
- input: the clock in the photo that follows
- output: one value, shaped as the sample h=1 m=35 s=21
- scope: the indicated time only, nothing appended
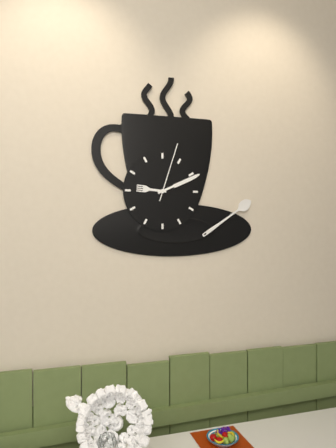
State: h=9 m=11 s=3
